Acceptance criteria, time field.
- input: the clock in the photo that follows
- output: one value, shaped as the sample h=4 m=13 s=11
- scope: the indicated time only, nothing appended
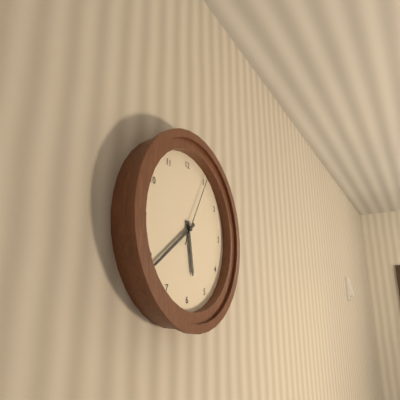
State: h=5 m=39 s=5
